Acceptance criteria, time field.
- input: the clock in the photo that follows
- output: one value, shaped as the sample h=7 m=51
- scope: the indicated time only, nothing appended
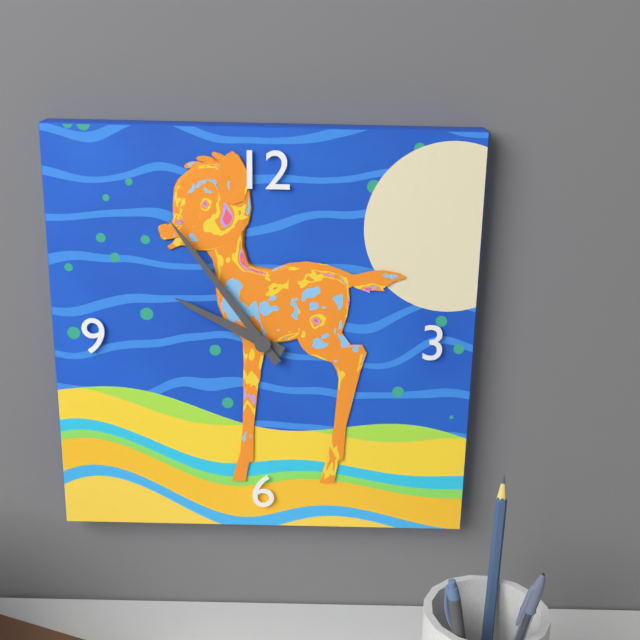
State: h=9 m=54
